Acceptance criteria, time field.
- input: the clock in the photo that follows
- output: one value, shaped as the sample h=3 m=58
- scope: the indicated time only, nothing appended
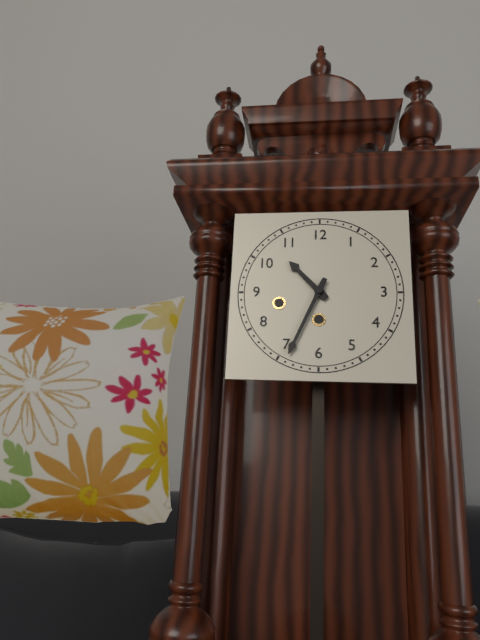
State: h=10 m=34
